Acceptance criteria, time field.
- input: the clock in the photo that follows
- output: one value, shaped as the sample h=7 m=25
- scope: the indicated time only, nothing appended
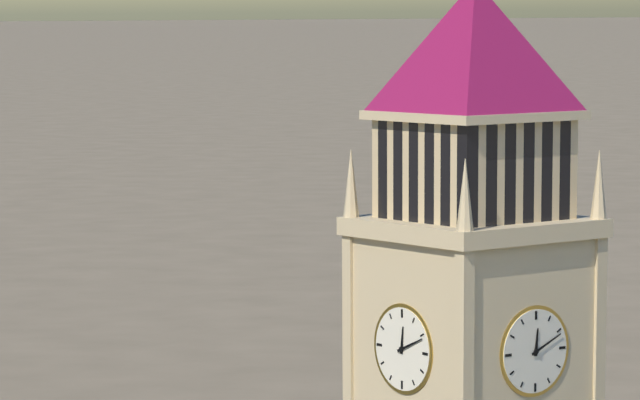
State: h=12 m=11
